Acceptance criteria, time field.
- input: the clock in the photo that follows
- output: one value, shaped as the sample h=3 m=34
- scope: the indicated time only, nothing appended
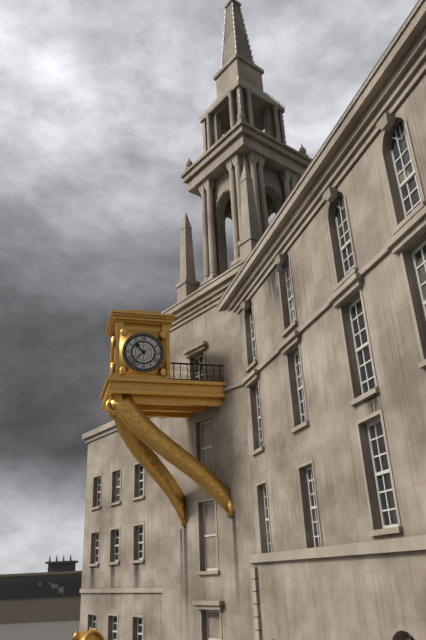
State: h=10 m=37
